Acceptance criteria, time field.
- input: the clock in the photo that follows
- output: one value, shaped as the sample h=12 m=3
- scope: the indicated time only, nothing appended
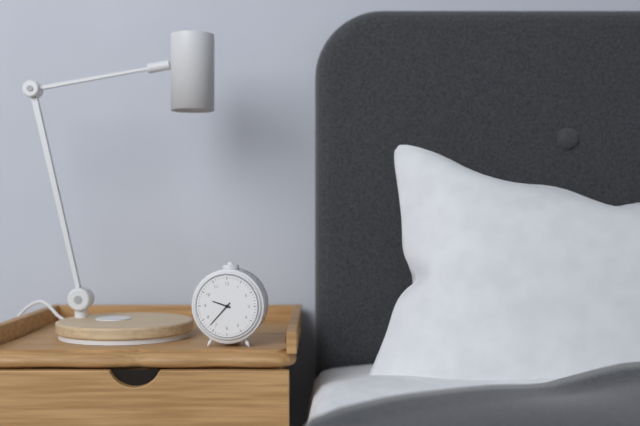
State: h=9 m=37
